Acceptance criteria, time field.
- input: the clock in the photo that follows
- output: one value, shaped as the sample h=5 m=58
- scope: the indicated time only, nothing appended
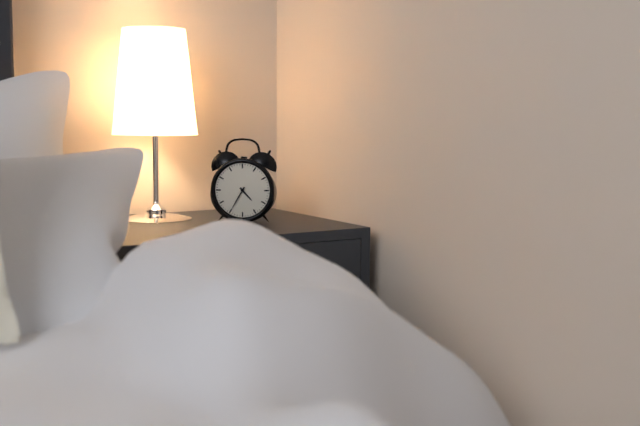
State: h=4 m=35
